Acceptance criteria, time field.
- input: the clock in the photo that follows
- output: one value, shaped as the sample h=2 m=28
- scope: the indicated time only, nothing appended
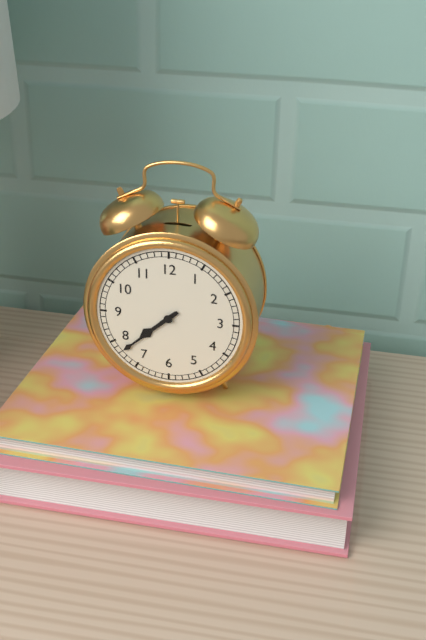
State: h=7 m=38
